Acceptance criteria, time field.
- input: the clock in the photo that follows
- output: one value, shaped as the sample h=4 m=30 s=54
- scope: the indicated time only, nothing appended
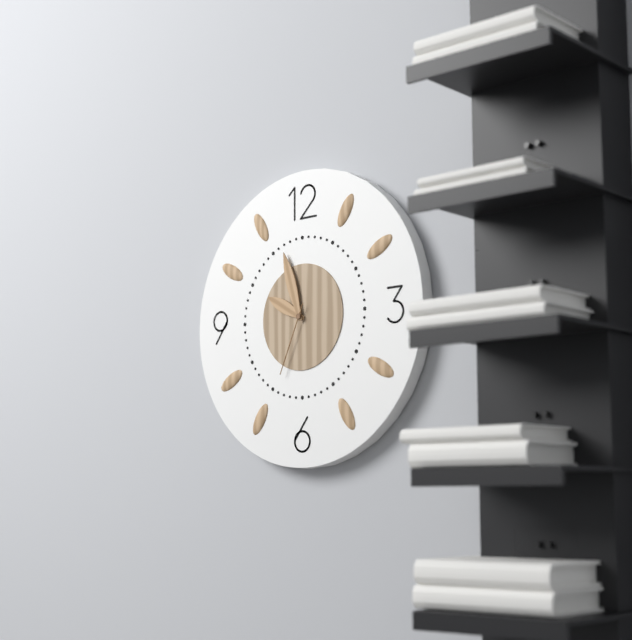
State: h=9 m=57 s=34
